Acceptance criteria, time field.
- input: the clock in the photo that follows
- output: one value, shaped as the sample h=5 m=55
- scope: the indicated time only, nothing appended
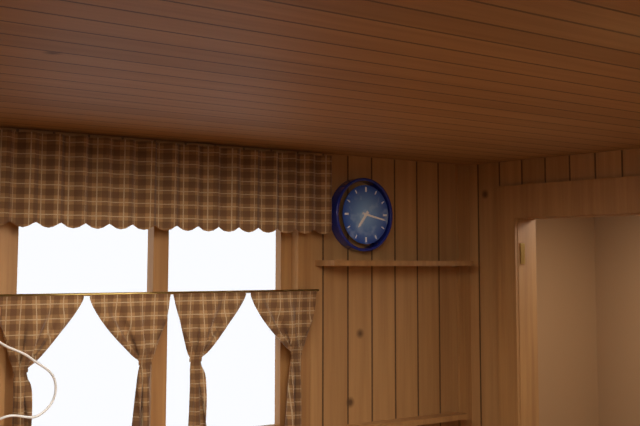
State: h=7 m=17
